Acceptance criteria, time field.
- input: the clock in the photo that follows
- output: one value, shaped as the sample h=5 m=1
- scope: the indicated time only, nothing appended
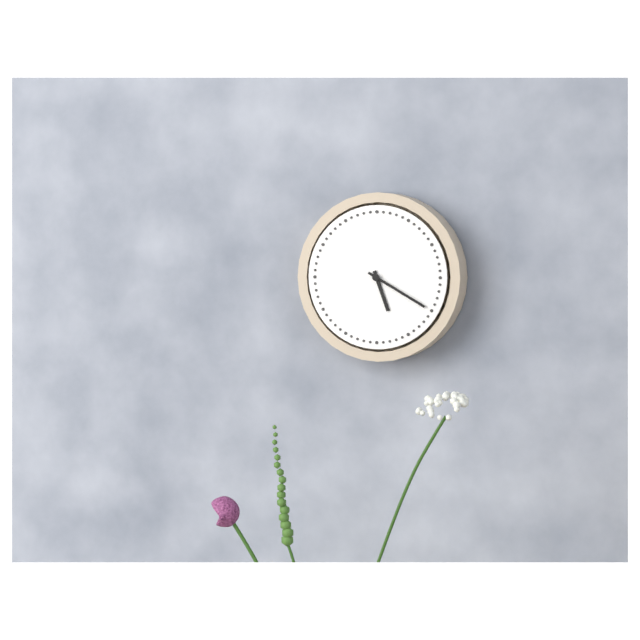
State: h=5 m=20
